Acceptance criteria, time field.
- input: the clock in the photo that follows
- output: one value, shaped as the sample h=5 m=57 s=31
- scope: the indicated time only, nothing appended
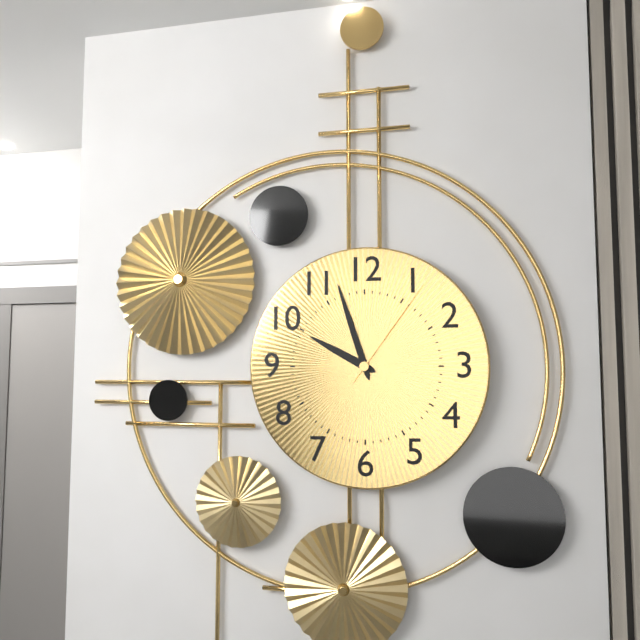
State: h=9 m=57 s=6
